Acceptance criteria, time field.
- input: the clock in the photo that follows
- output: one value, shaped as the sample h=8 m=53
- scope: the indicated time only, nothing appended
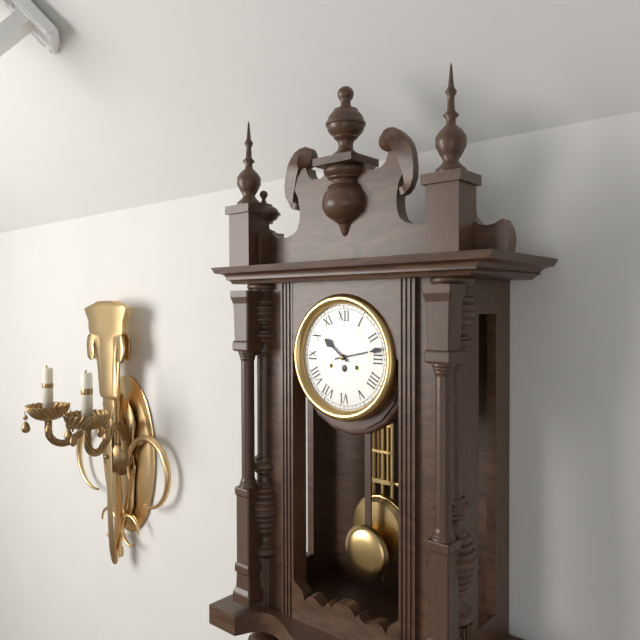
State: h=10 m=13
